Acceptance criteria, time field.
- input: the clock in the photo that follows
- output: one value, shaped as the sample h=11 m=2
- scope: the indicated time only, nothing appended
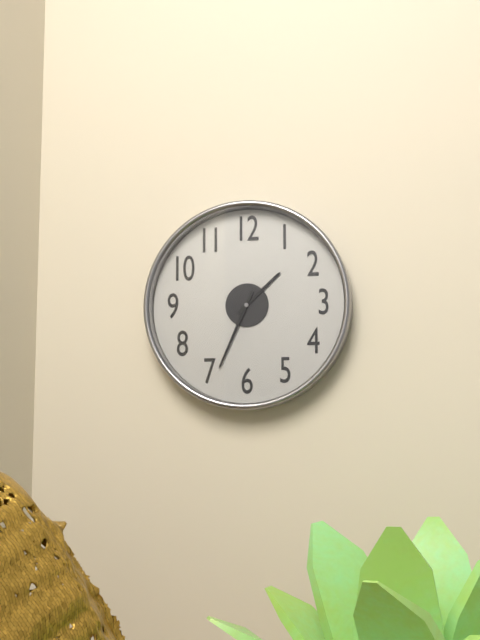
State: h=1 m=34
